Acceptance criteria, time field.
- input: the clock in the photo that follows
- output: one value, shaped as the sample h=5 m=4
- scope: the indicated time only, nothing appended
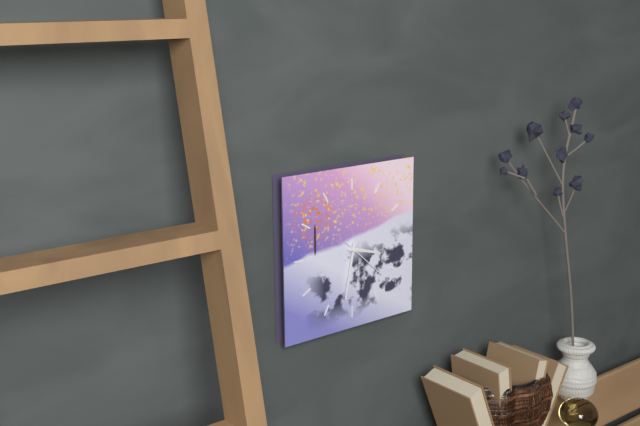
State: h=3 m=32
